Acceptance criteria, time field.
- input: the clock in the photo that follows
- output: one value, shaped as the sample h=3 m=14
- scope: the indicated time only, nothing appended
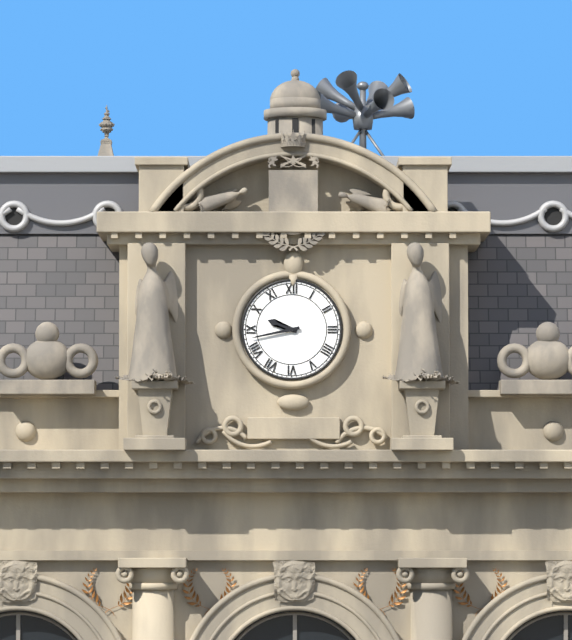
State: h=9 m=43
